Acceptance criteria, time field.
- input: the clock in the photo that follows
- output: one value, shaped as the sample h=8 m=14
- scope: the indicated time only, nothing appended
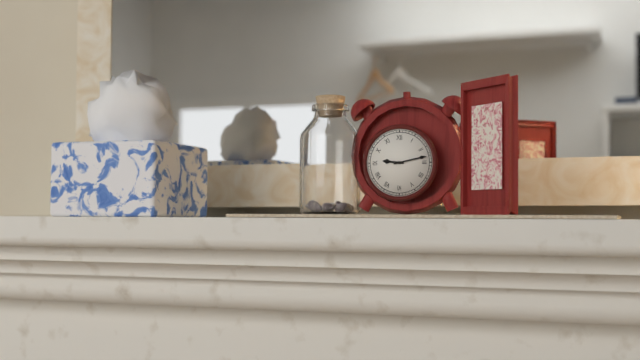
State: h=9 m=13
